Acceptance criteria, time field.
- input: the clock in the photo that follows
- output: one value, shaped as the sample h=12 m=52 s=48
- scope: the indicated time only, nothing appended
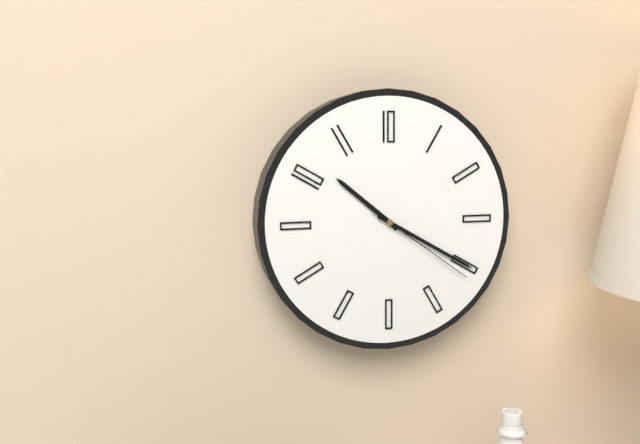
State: h=10 m=20 s=21
